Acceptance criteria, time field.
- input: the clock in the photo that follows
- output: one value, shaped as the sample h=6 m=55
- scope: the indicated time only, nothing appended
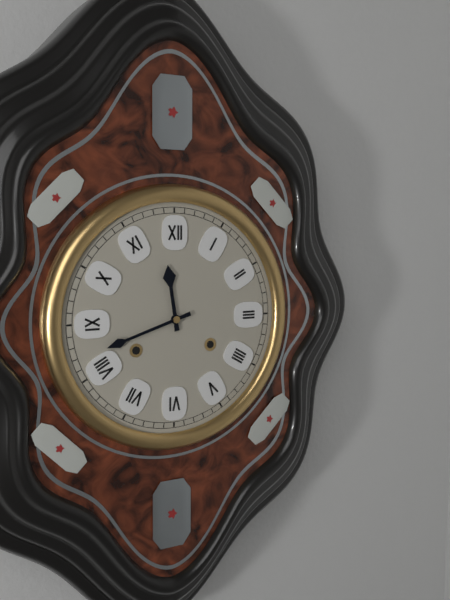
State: h=11 m=42
